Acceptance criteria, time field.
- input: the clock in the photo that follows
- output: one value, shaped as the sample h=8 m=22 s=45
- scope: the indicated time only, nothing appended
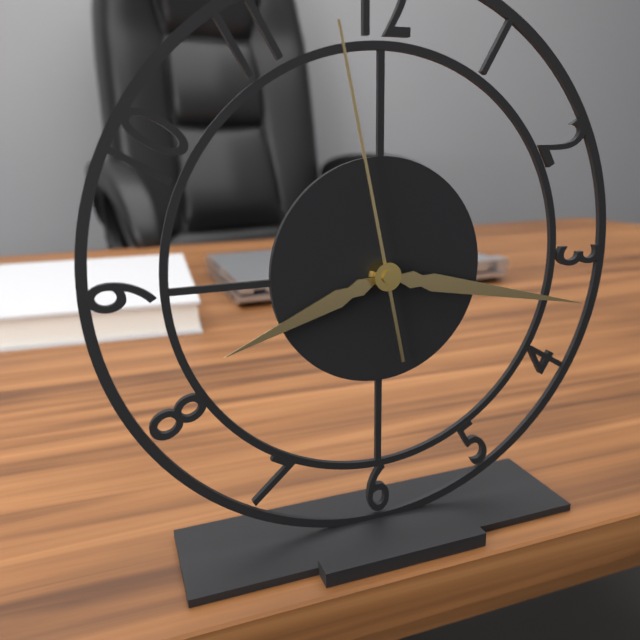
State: h=8 m=17 s=58
